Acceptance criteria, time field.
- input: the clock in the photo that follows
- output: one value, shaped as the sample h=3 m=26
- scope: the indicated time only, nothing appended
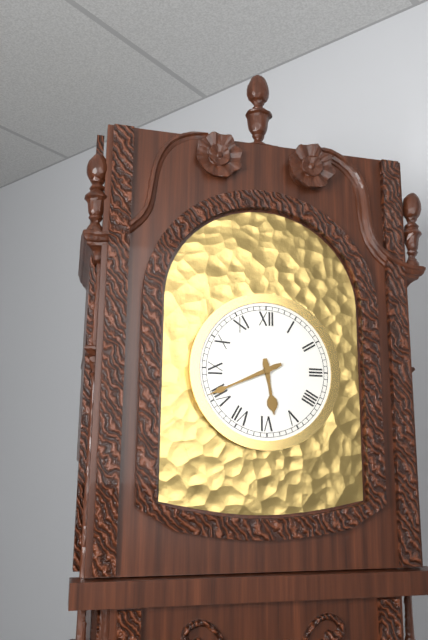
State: h=5 m=41
